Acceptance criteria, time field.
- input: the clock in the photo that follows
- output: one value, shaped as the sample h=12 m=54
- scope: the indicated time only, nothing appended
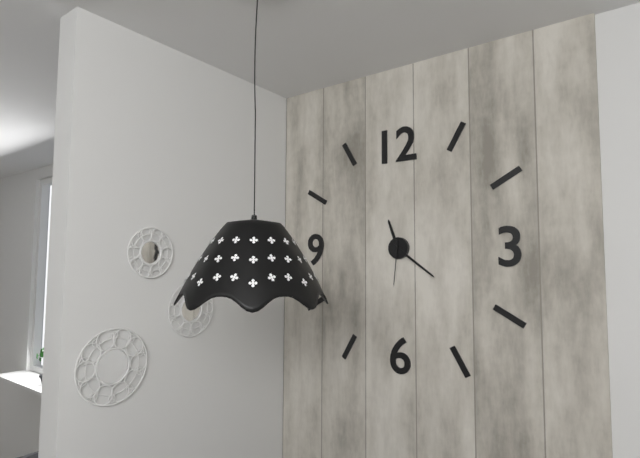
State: h=11 m=21
